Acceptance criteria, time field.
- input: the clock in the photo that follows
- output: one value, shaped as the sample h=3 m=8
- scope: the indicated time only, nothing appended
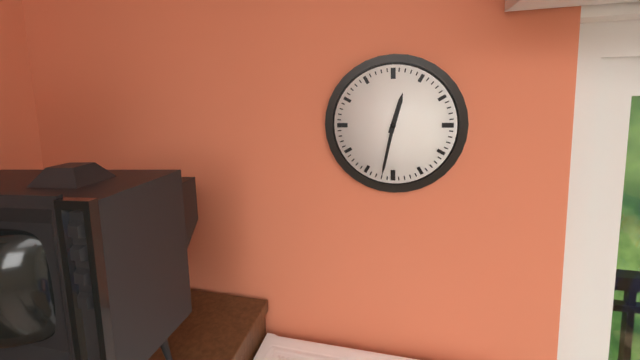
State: h=12 m=32
